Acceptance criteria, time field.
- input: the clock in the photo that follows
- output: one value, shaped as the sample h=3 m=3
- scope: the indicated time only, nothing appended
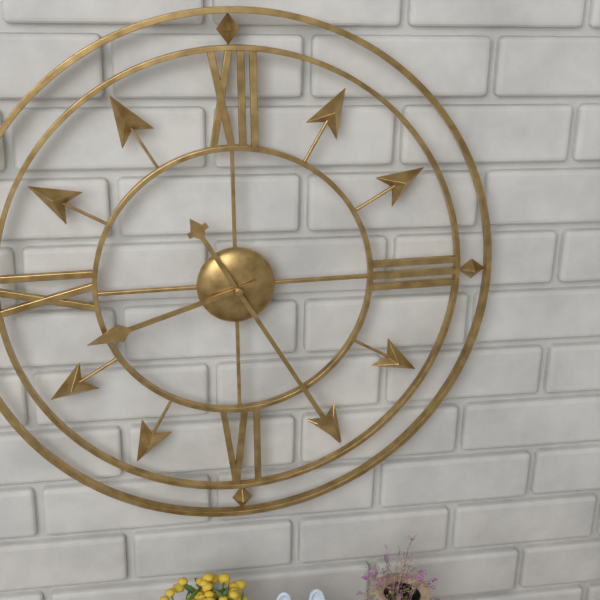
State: h=8 m=25
